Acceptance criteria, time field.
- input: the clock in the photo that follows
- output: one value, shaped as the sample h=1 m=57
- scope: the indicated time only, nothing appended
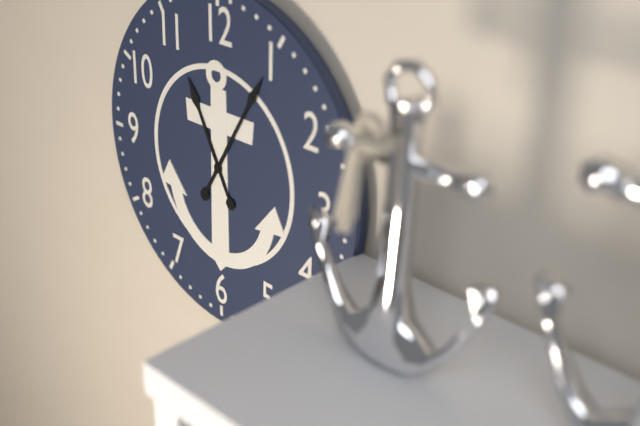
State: h=11 m=5
